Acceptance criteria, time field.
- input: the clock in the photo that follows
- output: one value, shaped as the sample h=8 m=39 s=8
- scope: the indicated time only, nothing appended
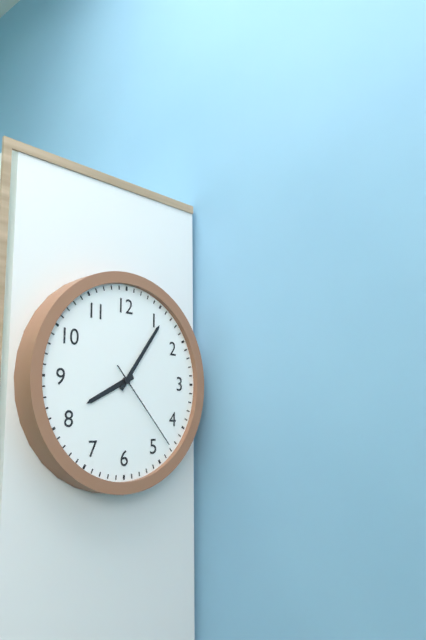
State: h=8 m=6 s=23
